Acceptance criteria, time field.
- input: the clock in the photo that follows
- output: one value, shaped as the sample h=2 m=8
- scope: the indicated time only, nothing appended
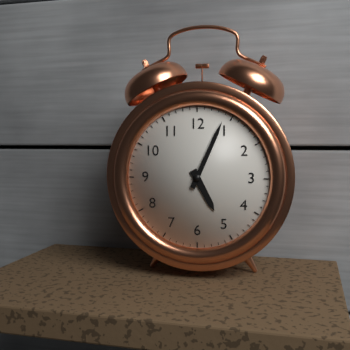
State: h=5 m=4
